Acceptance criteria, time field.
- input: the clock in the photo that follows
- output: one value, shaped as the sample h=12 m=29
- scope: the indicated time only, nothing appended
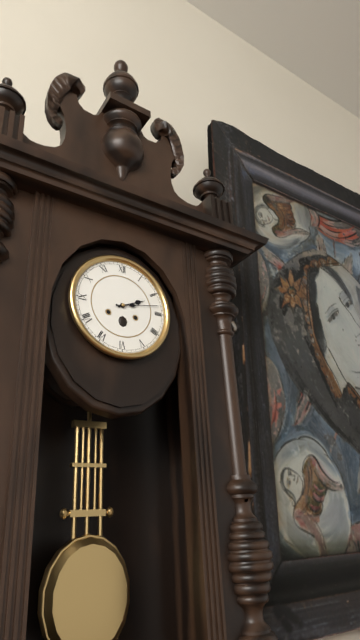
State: h=2 m=13
